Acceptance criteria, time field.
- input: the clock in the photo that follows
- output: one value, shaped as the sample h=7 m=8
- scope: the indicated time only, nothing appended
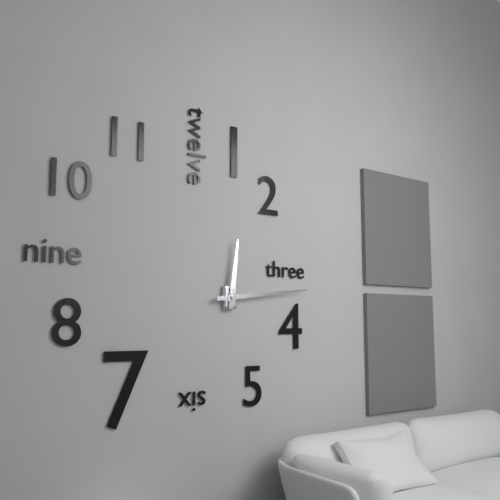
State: h=12 m=14
